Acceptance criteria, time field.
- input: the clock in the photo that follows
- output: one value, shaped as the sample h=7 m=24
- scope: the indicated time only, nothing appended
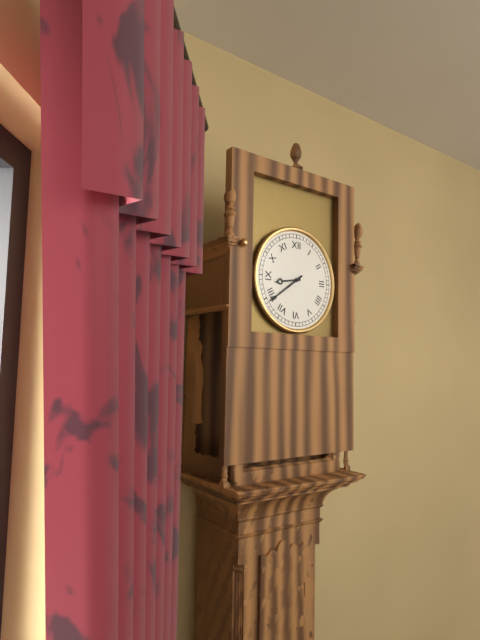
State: h=8 m=39
